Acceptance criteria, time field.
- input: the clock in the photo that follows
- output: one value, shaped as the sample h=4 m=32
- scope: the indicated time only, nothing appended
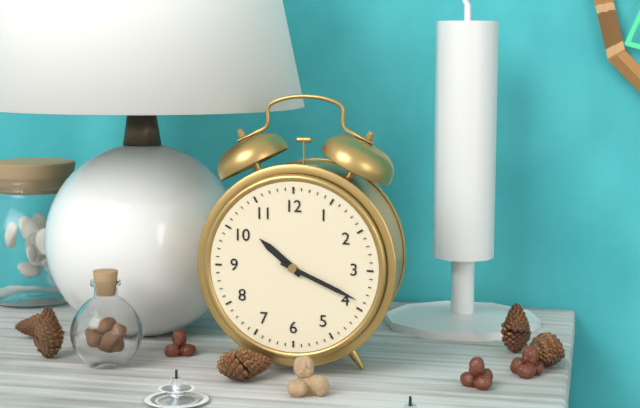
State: h=10 m=19
